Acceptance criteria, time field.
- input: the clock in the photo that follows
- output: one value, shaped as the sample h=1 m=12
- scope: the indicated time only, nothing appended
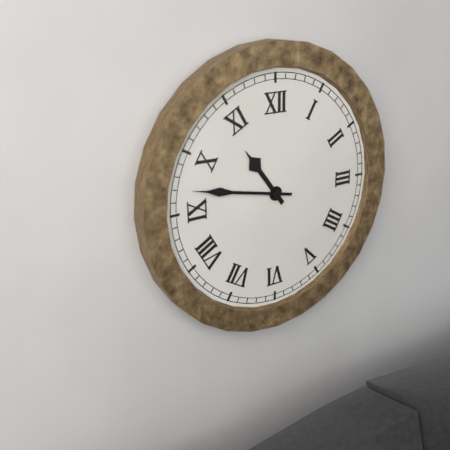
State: h=10 m=47
